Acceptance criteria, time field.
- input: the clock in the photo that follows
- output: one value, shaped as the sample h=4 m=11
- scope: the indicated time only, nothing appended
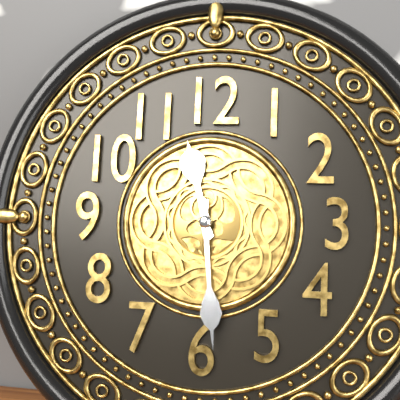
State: h=11 m=29
